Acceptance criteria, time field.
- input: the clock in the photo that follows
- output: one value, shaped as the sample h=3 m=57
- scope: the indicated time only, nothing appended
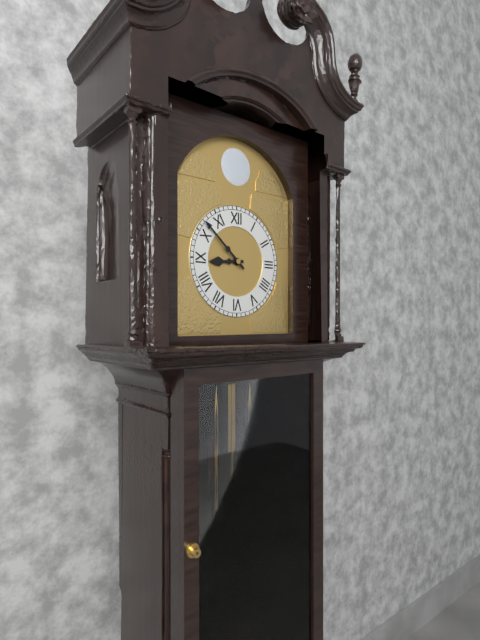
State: h=8 m=52
